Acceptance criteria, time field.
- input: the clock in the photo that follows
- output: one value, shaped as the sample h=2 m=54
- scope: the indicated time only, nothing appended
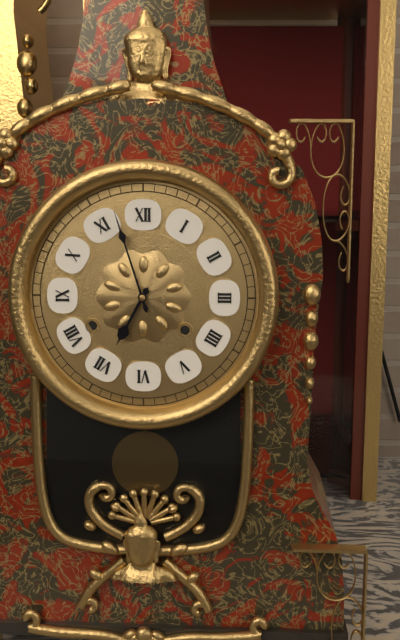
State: h=6 m=57
